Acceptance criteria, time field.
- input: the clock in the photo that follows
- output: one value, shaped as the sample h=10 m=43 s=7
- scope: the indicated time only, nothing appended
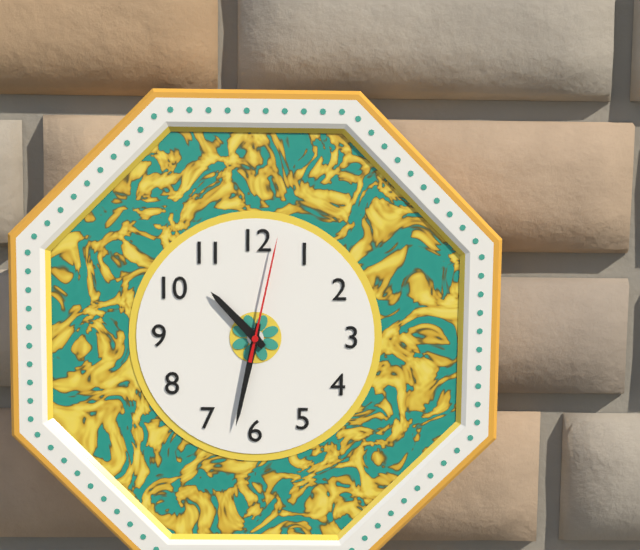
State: h=10 m=32 s=2
